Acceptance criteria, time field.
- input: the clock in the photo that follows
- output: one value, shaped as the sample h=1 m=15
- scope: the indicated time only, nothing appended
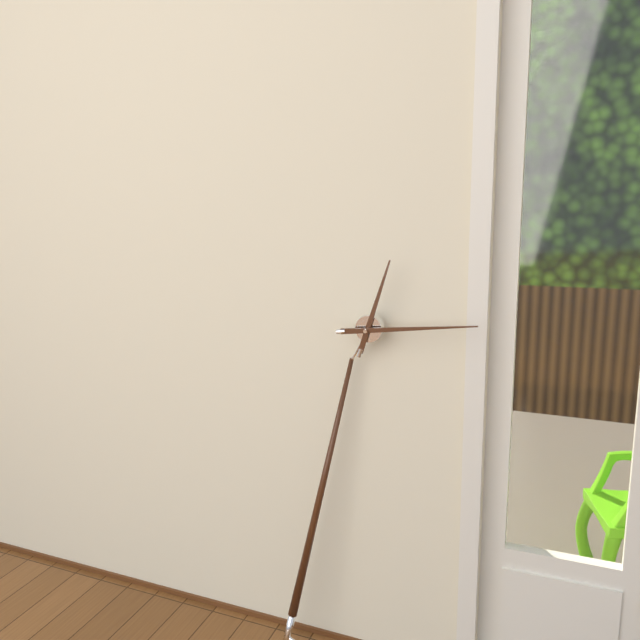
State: h=12 m=12
